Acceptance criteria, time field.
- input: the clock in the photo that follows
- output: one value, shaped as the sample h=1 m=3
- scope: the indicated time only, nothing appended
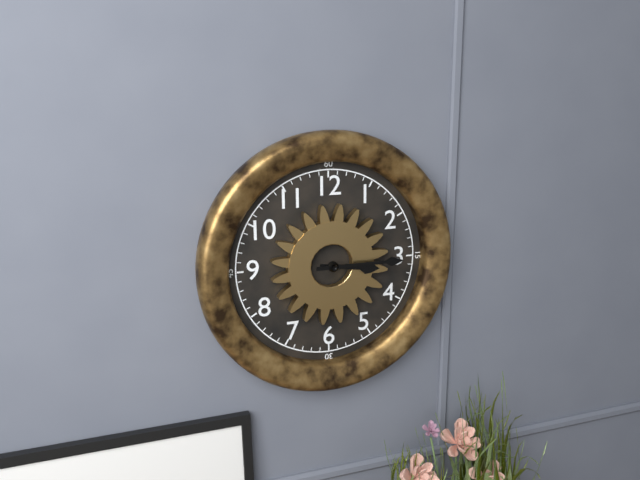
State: h=3 m=15
